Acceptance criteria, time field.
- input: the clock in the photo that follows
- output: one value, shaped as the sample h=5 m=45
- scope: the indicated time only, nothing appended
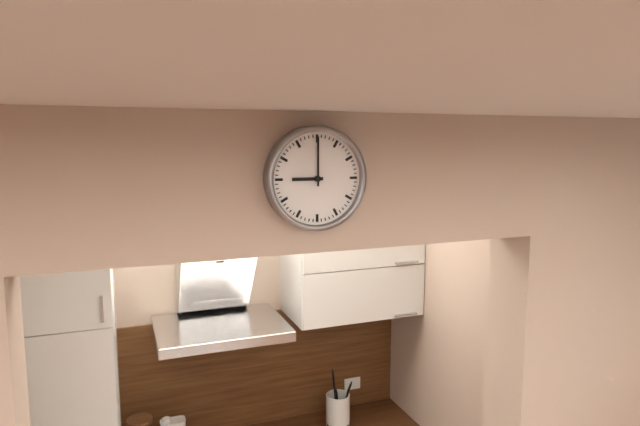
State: h=9 m=0
